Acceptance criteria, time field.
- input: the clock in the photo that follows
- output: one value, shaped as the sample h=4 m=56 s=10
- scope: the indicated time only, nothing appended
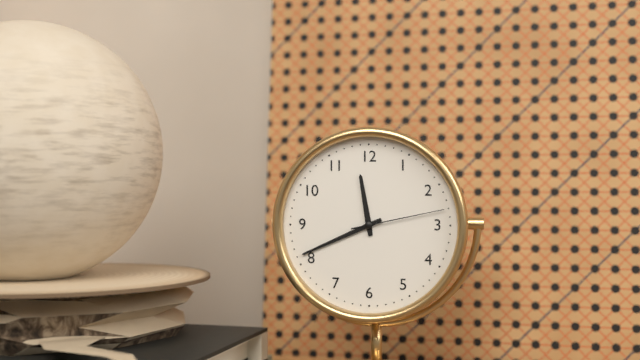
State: h=11 m=41 s=13
